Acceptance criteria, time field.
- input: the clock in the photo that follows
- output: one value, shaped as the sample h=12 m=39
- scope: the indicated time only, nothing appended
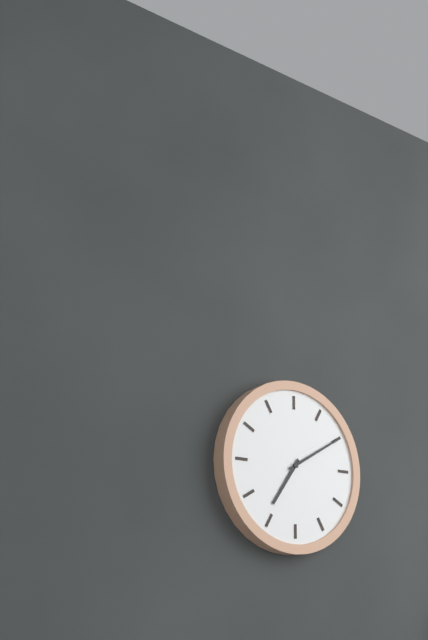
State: h=7 m=10
